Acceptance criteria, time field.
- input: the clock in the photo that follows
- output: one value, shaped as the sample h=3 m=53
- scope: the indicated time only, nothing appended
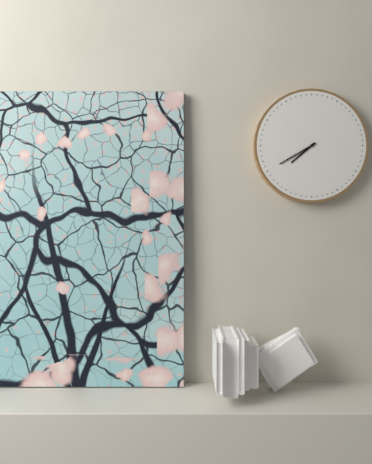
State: h=7 m=40
